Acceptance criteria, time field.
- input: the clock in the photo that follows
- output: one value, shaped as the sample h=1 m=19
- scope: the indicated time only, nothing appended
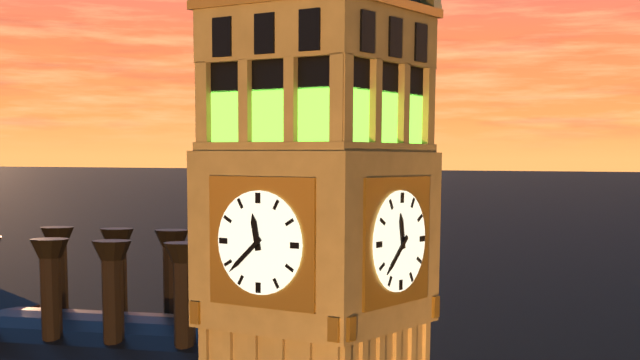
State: h=11 m=38
